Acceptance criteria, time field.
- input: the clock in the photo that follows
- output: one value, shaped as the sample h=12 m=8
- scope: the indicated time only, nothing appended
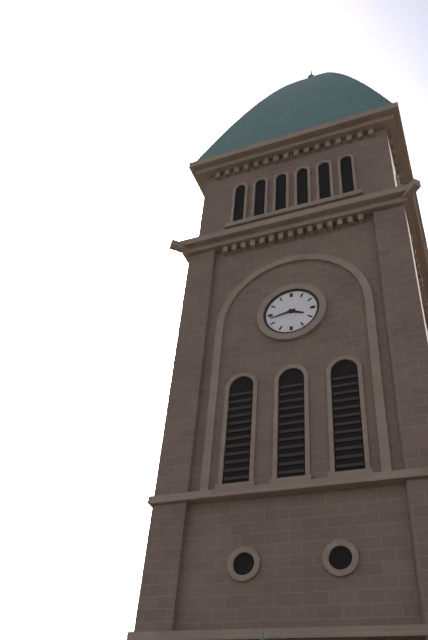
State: h=3 m=43
